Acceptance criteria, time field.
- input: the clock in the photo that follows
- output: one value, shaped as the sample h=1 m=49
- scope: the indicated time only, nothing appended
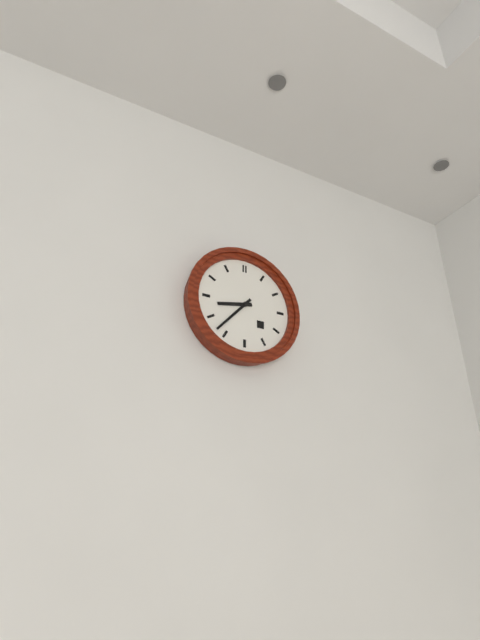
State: h=8 m=37
